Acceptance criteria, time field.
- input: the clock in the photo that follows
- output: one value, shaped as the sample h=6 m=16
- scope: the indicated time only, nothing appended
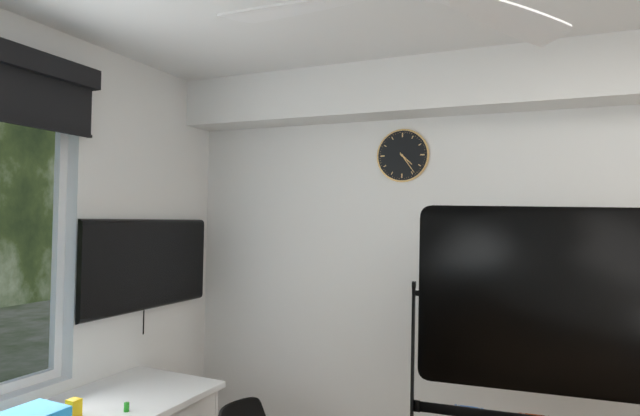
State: h=4 m=24
